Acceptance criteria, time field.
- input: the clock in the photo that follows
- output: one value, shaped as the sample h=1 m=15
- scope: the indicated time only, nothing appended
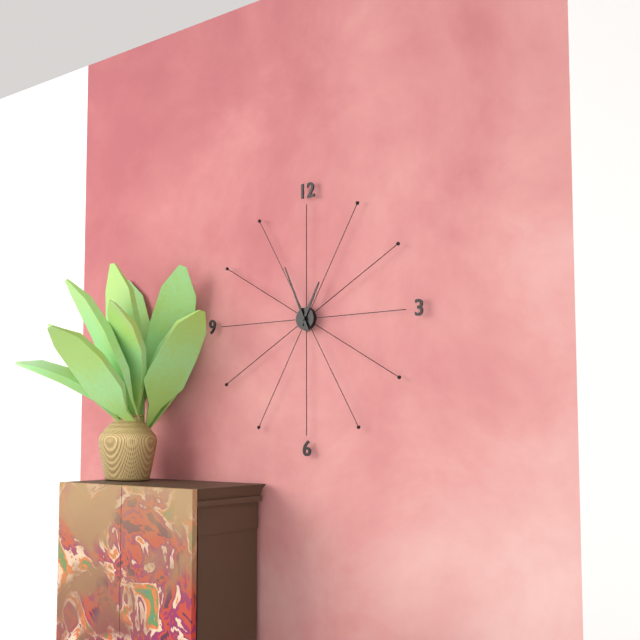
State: h=12 m=56
